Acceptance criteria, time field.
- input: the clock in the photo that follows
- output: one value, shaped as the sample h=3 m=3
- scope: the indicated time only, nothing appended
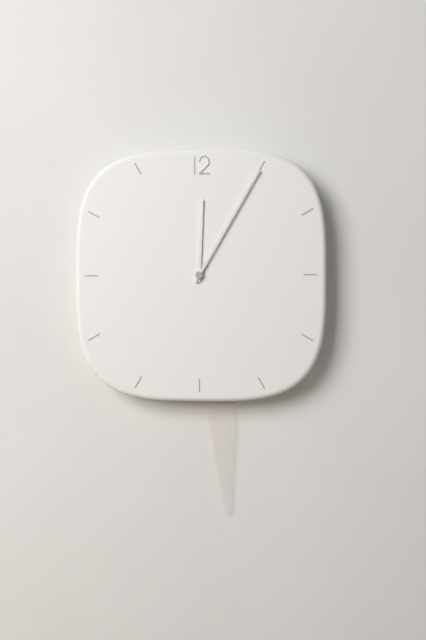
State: h=12 m=5
